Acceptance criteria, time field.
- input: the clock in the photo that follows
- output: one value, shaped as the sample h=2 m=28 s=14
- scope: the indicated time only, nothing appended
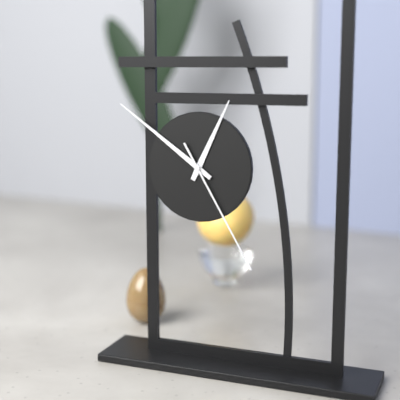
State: h=12 m=51 s=25
